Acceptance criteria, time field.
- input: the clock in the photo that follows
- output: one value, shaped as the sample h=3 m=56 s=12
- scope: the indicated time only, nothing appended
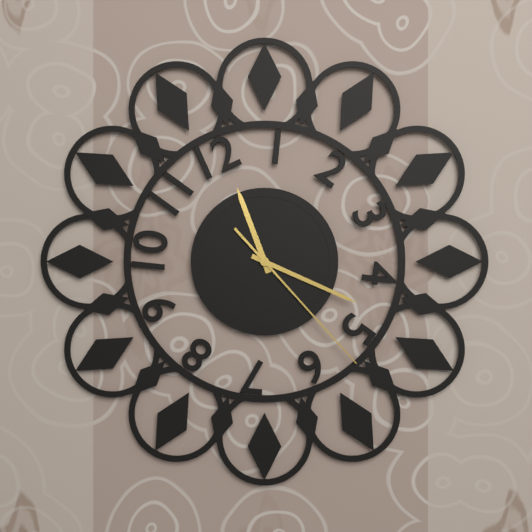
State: h=11 m=19 s=23
